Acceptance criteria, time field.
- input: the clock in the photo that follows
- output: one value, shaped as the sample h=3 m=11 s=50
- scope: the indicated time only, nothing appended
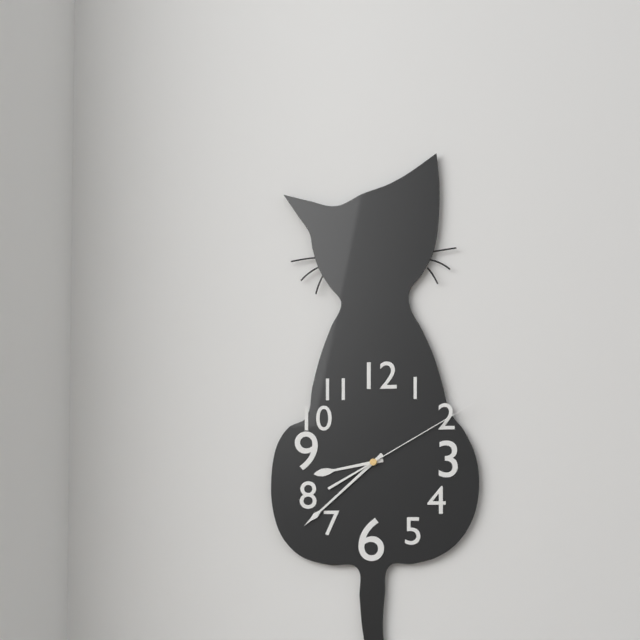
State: h=8 m=38 s=10
